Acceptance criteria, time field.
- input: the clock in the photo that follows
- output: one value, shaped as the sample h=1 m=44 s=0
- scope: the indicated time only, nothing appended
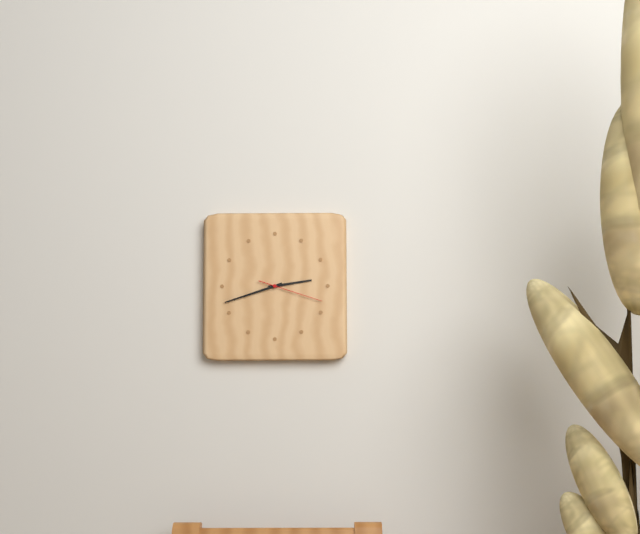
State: h=2 m=42 s=18
